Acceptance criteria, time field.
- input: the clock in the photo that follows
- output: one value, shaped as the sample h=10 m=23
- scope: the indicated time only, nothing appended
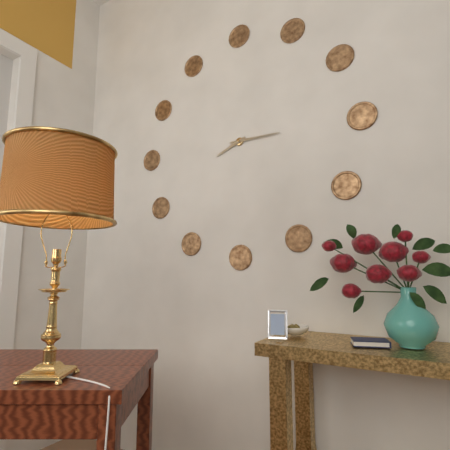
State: h=8 m=15
